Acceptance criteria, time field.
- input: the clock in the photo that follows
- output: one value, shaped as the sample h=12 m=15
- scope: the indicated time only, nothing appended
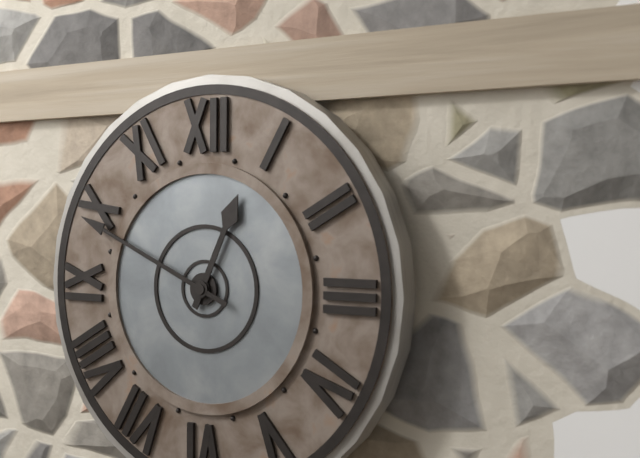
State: h=12 m=49
